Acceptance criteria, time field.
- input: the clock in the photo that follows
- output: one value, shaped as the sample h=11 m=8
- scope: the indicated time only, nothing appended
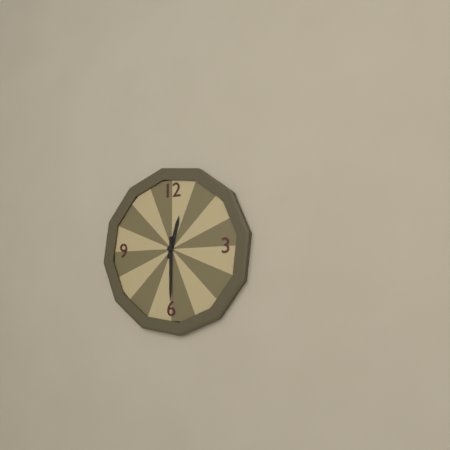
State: h=12 m=30
